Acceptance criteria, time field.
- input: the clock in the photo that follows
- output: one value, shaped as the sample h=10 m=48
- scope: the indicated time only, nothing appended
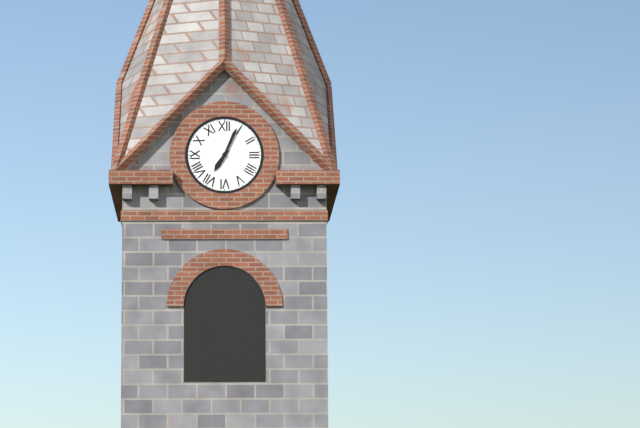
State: h=7 m=4
